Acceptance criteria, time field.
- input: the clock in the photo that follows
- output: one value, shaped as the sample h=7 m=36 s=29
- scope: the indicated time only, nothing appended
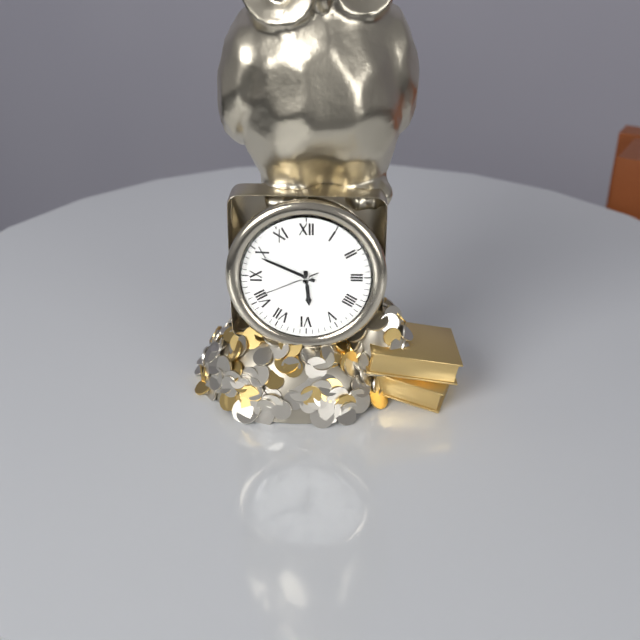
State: h=5 m=49 s=41
